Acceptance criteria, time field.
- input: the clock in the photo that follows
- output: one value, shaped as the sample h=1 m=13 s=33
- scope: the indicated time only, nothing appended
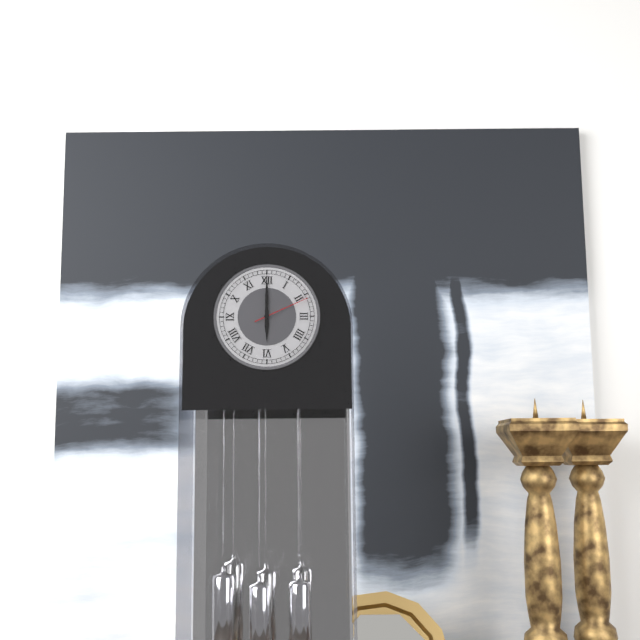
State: h=6 m=0 s=11
